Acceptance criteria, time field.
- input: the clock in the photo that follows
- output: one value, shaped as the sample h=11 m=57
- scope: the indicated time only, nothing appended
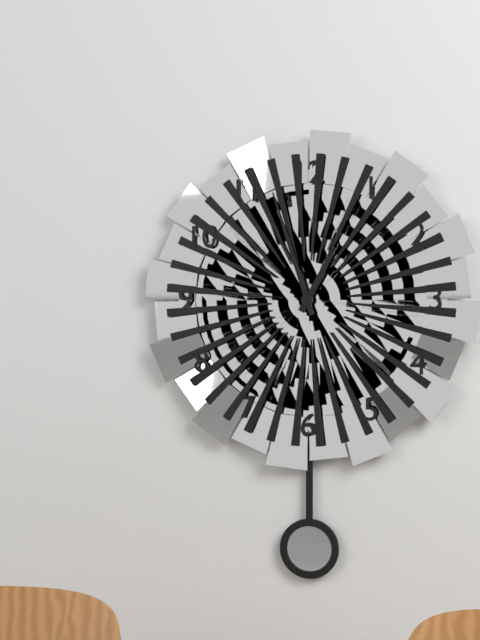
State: h=12 m=57
